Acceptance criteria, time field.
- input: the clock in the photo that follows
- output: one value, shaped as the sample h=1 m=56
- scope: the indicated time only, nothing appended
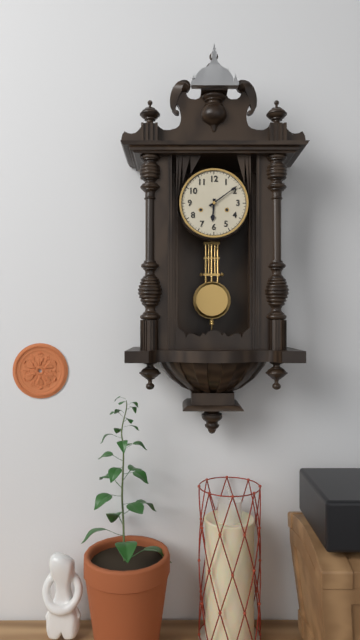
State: h=6 m=9
